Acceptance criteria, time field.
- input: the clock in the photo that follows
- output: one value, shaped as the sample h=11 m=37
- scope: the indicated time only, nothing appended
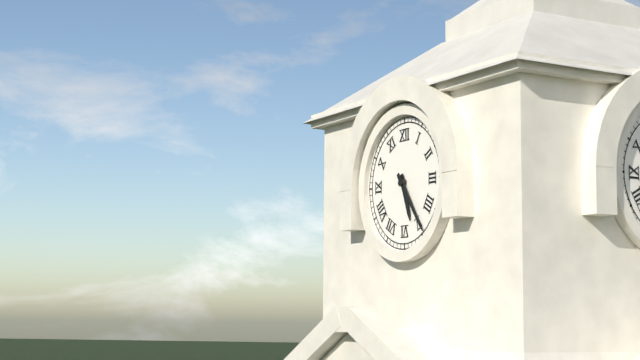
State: h=5 m=24
